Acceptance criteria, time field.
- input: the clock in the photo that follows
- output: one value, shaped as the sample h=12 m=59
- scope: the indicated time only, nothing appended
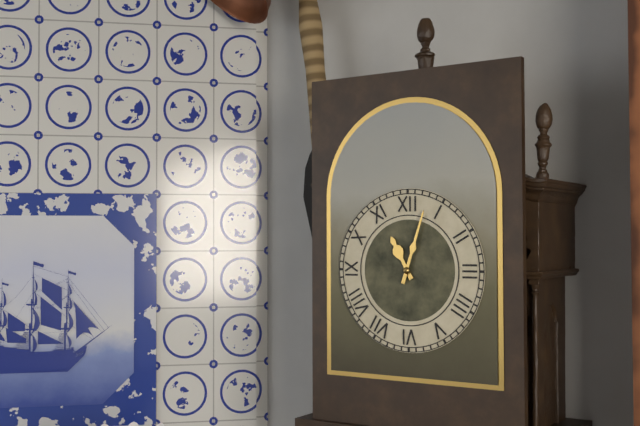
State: h=11 m=3
